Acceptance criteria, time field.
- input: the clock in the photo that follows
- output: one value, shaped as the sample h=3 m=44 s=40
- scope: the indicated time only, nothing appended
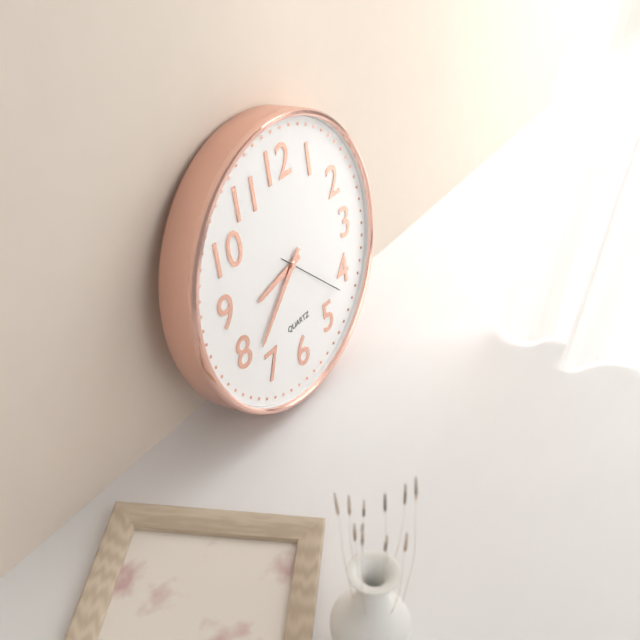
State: h=8 m=38 s=22
